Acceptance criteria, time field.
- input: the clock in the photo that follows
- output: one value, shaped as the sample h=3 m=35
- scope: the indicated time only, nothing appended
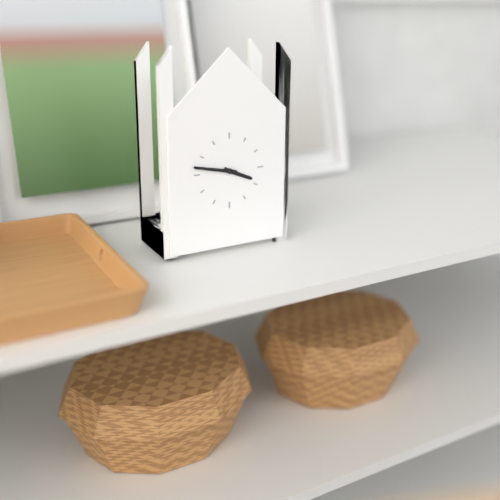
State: h=3 m=47
